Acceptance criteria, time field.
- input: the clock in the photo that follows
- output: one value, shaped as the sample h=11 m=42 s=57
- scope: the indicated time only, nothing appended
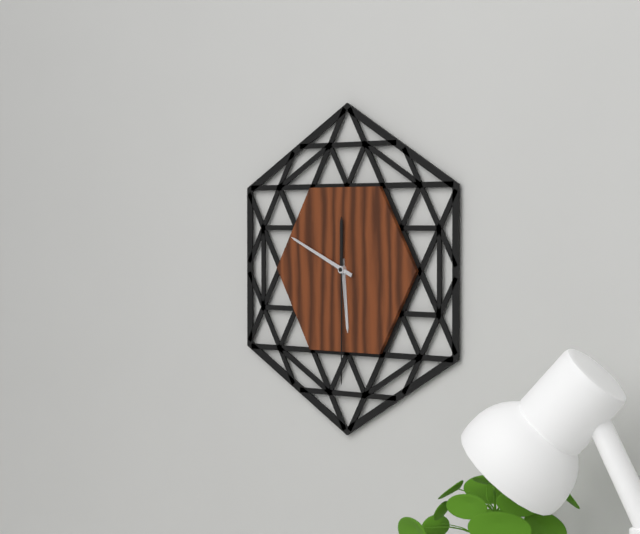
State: h=5 m=49 s=30
